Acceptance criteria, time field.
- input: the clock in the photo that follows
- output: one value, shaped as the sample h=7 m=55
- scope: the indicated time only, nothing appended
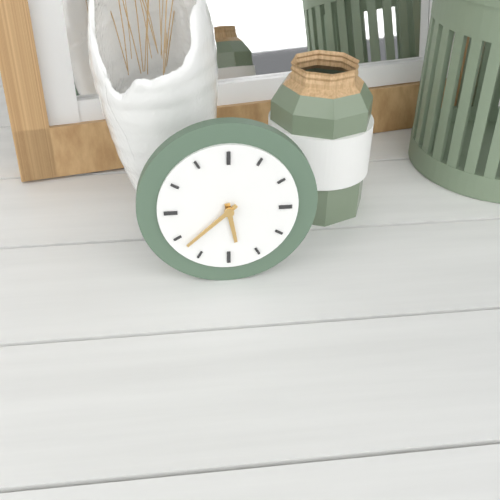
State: h=5 m=38
